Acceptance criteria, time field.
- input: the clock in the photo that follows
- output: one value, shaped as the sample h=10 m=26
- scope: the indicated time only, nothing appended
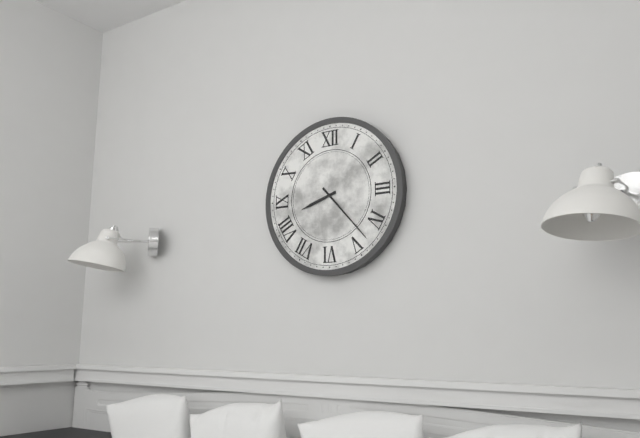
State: h=8 m=23
